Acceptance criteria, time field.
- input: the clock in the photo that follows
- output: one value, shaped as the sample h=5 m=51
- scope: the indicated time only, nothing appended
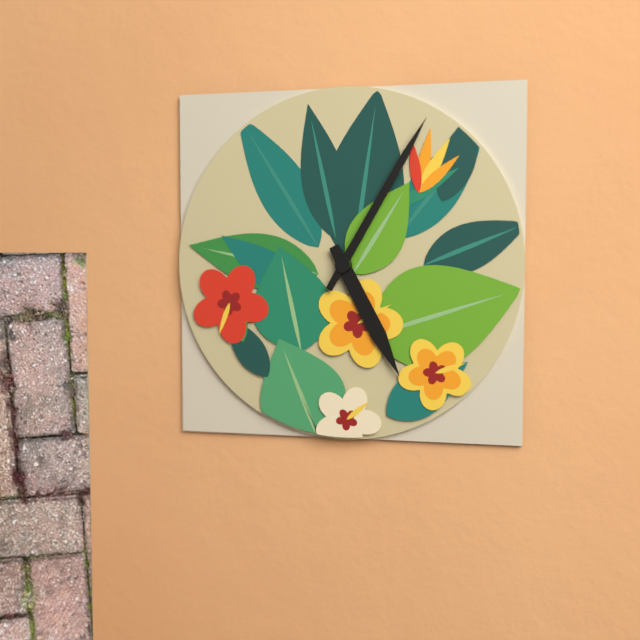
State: h=5 m=5
